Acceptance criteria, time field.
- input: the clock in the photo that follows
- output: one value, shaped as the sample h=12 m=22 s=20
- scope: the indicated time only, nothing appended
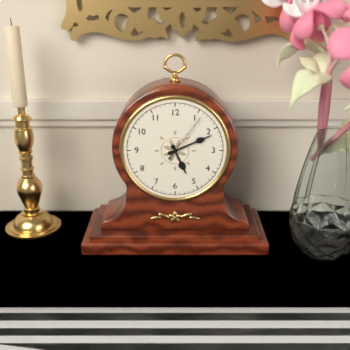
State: h=5 m=11 s=6
